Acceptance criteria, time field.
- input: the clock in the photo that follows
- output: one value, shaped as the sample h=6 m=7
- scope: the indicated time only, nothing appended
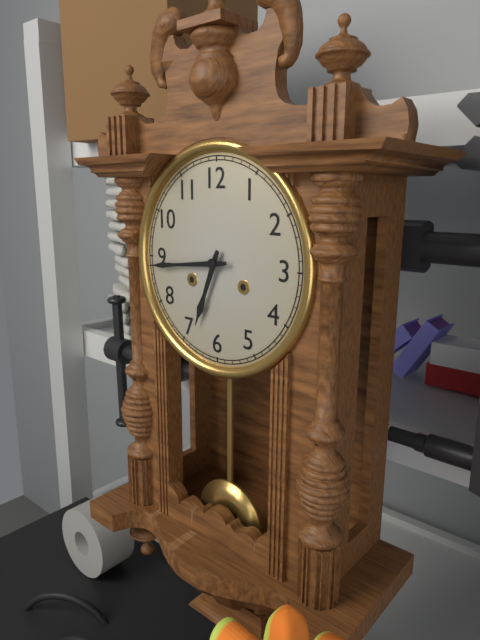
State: h=6 m=44
